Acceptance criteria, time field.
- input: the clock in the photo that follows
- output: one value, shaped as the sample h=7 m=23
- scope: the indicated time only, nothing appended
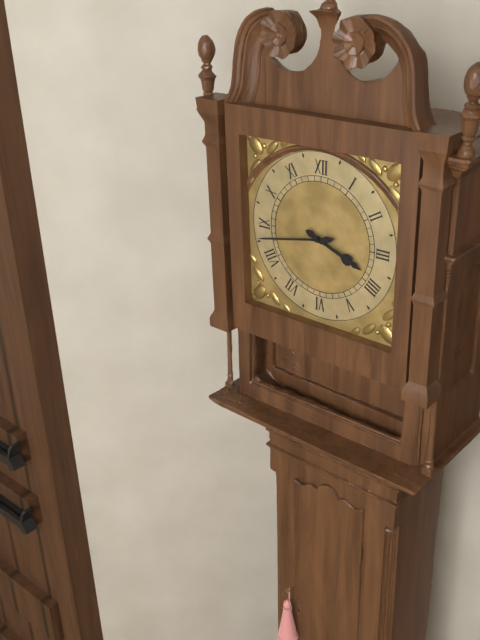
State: h=3 m=43
